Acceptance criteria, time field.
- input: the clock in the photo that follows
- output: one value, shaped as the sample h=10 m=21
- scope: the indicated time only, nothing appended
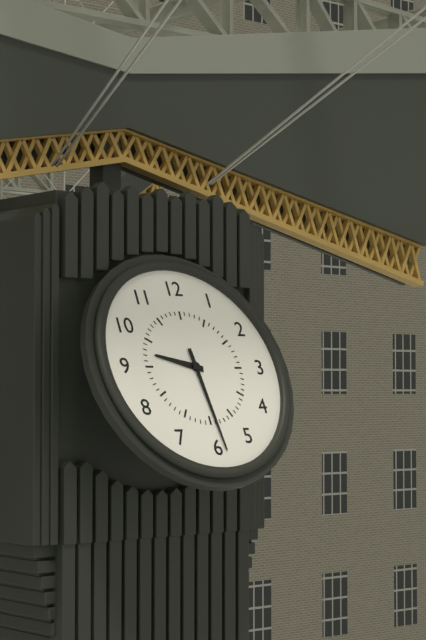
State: h=9 m=29
